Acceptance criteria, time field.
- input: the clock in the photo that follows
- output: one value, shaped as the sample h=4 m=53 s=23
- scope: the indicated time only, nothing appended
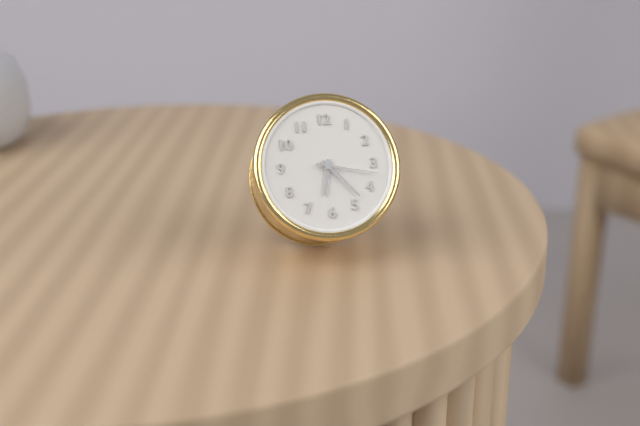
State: h=6 m=23 s=17
